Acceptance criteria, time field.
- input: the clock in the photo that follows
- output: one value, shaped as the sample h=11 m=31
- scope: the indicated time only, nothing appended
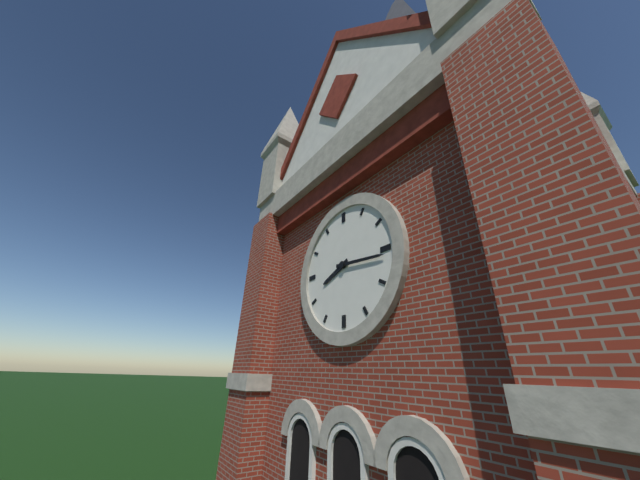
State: h=8 m=16
